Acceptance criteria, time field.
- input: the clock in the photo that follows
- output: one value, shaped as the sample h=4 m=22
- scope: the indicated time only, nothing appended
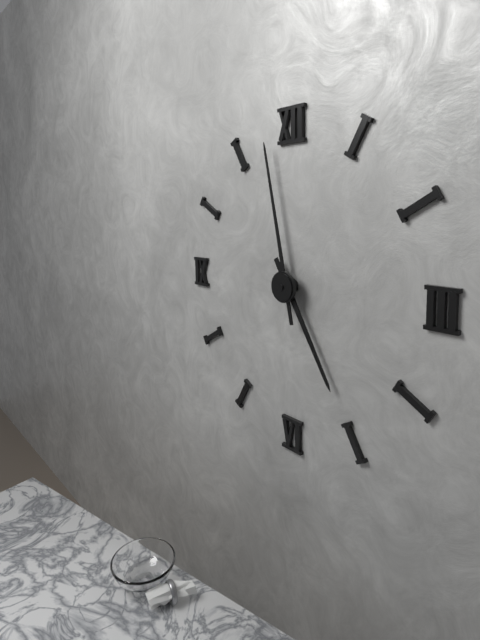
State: h=4 m=58
